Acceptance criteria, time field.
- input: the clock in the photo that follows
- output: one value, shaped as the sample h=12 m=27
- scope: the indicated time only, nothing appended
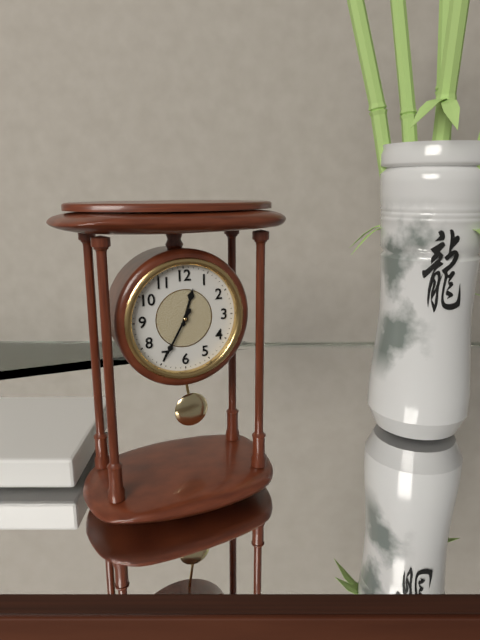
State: h=12 m=35
